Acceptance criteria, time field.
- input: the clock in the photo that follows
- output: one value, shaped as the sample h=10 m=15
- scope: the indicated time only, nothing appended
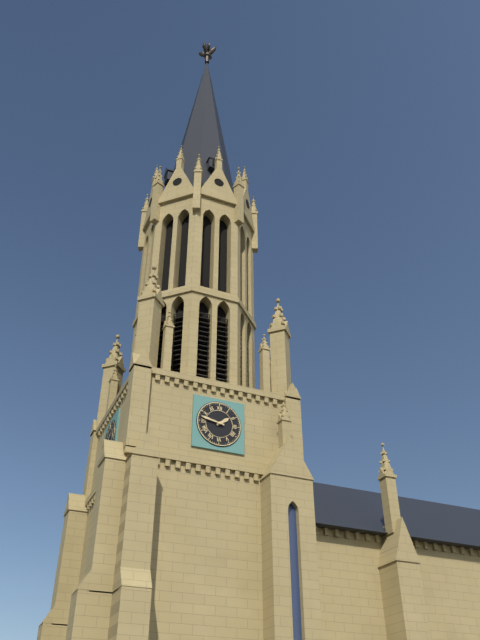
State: h=1 m=47
